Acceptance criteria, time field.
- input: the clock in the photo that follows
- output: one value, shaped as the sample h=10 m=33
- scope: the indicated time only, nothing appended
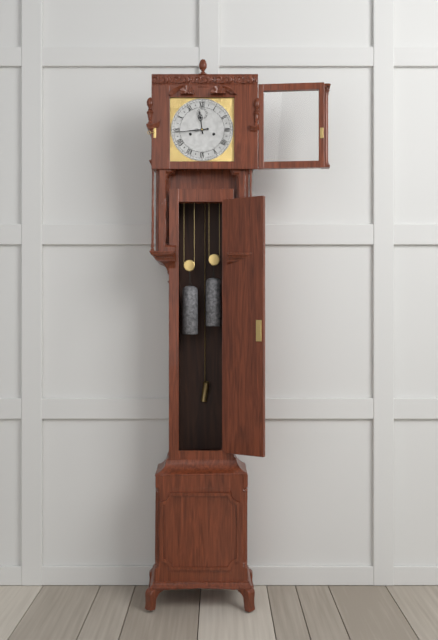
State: h=11 m=44
